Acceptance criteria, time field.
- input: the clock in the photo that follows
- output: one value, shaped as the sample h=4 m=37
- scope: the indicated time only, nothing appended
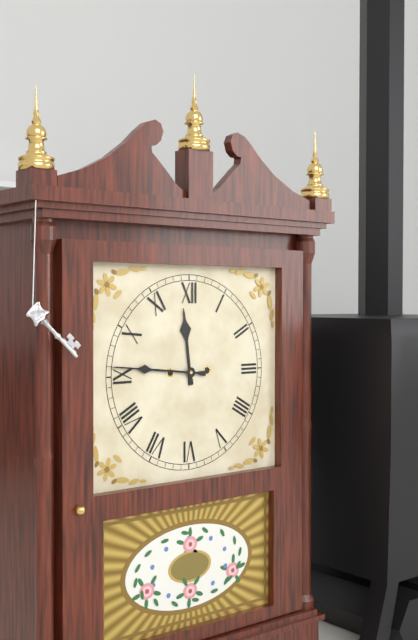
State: h=11 m=46
